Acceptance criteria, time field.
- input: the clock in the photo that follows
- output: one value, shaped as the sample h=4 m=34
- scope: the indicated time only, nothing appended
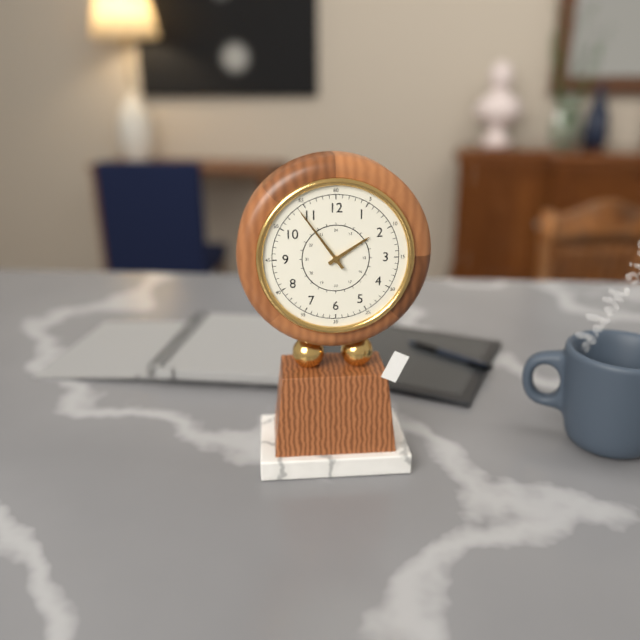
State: h=1 m=54
